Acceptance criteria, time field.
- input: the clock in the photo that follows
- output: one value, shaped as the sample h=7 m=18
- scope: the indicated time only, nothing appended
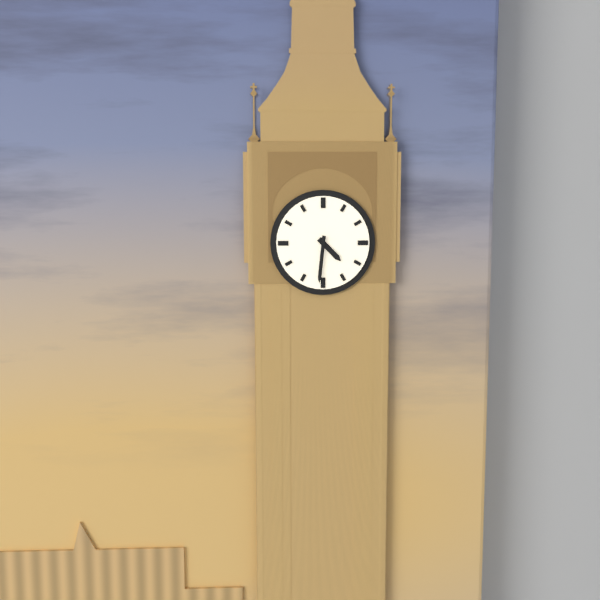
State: h=4 m=31
